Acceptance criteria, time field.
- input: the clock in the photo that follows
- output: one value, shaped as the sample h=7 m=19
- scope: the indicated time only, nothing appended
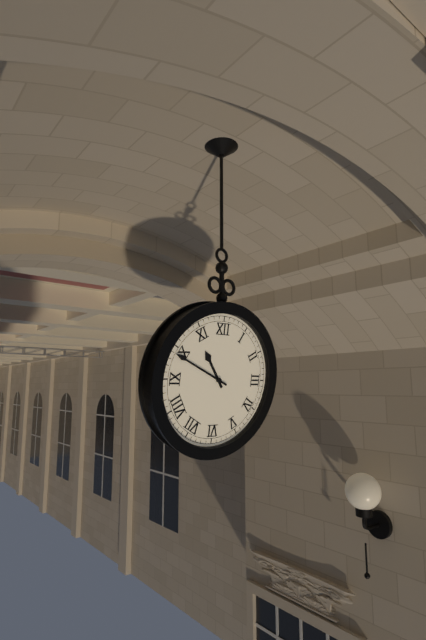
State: h=10 m=49
